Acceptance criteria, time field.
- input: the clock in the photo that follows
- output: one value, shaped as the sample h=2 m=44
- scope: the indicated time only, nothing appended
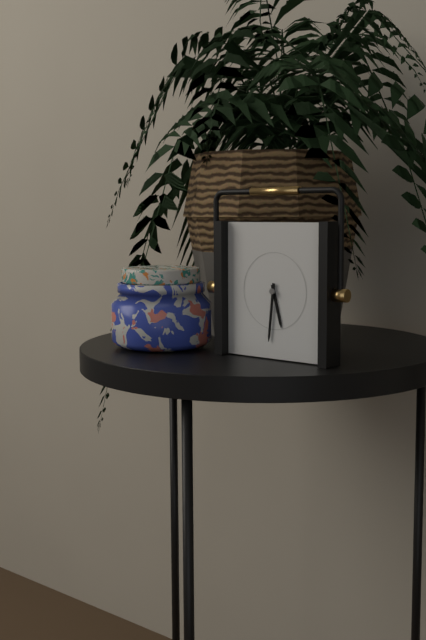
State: h=5 m=31
